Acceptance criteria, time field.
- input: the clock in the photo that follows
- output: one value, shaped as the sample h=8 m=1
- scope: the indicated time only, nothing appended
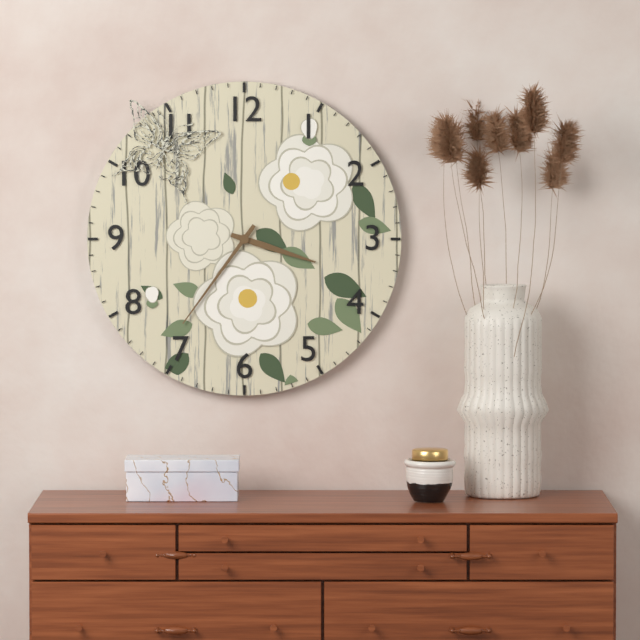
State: h=3 m=36
